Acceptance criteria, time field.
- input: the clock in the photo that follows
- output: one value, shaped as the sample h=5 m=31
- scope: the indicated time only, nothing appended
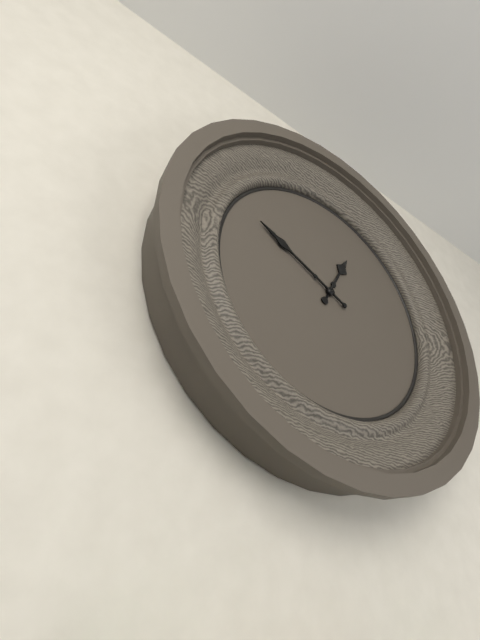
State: h=12 m=49
